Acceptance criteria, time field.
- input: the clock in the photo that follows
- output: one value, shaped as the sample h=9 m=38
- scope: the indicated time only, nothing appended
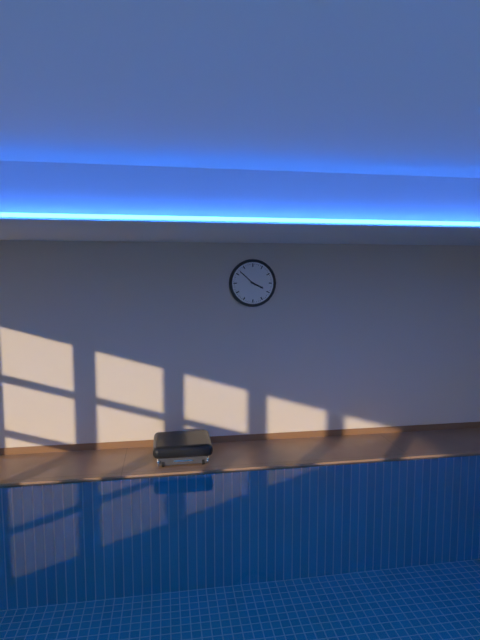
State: h=3 m=52
